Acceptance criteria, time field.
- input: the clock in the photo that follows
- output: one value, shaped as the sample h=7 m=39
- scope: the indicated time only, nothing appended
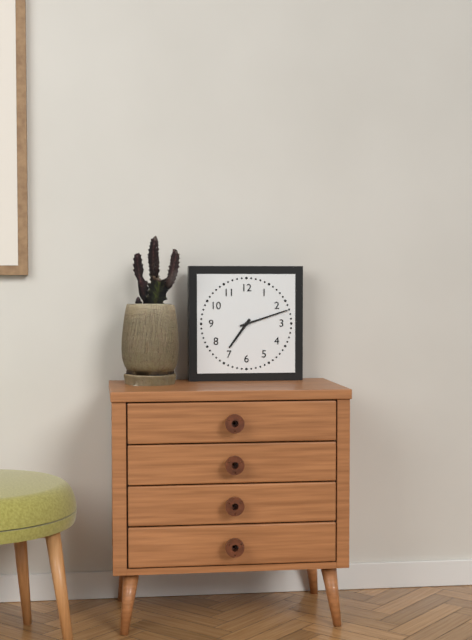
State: h=7 m=12
